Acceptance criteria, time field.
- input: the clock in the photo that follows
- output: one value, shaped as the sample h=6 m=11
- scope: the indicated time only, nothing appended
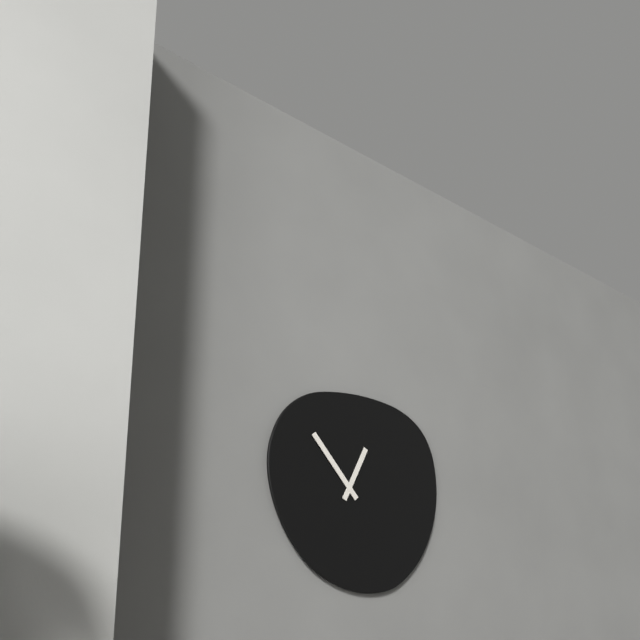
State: h=12 m=53
